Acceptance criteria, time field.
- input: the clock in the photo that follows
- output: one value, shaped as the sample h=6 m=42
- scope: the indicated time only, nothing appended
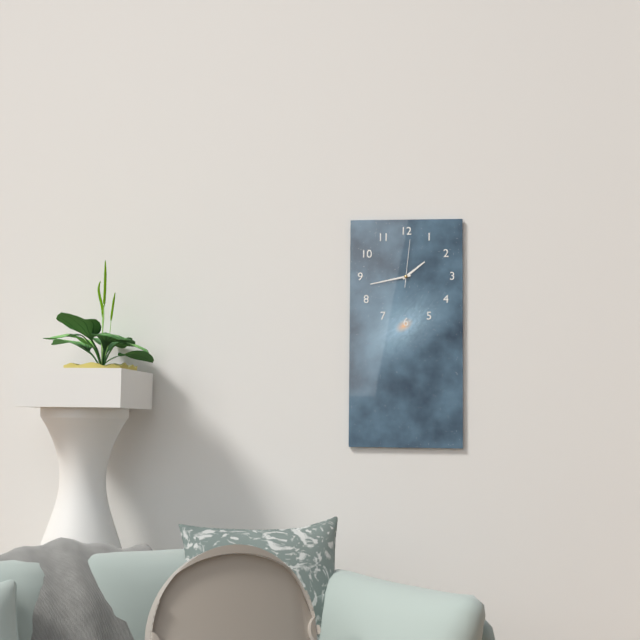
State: h=1 m=43
